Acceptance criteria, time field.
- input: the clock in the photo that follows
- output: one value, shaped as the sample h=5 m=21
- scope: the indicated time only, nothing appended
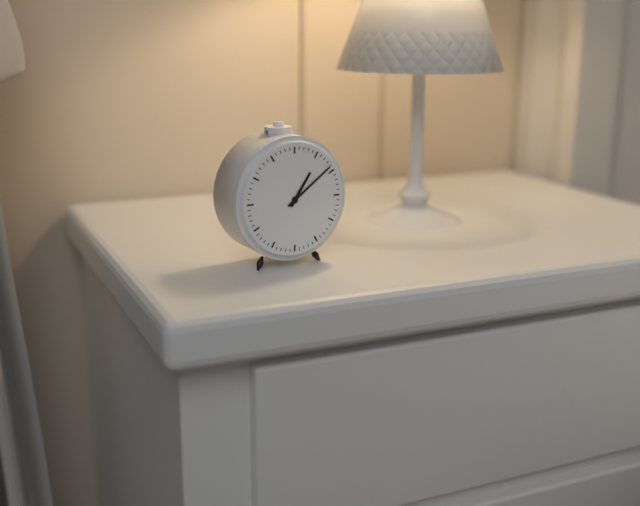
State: h=1 m=9
